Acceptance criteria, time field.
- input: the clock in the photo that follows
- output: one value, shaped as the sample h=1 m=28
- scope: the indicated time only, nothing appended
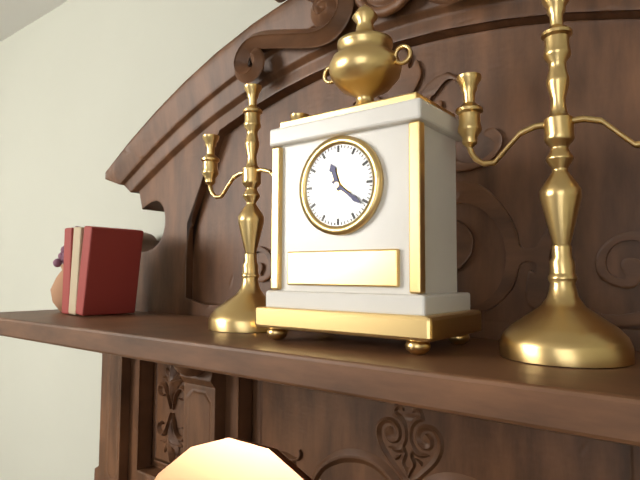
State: h=11 m=21
